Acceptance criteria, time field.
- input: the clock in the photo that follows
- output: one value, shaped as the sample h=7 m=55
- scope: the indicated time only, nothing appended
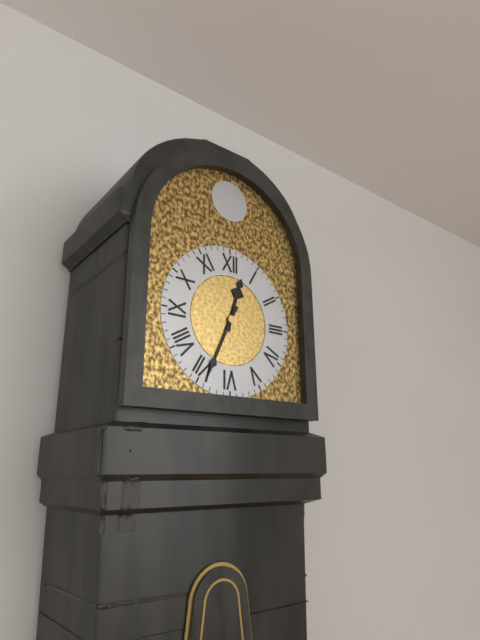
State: h=12 m=34
